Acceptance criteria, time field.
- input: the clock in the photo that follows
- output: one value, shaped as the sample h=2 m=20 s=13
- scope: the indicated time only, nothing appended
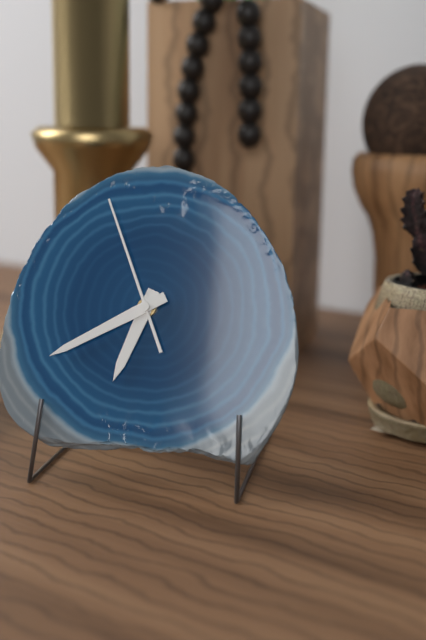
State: h=6 m=40 s=56
